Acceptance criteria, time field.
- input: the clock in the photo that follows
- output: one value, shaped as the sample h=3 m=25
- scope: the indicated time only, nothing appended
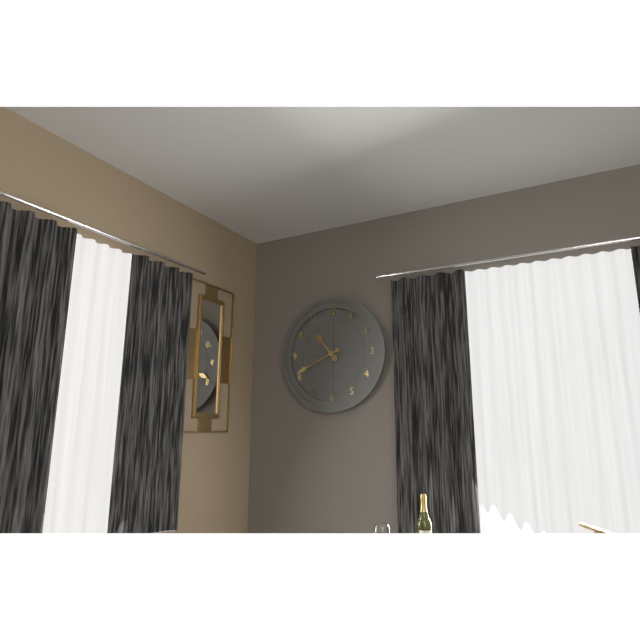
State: h=10 m=41
